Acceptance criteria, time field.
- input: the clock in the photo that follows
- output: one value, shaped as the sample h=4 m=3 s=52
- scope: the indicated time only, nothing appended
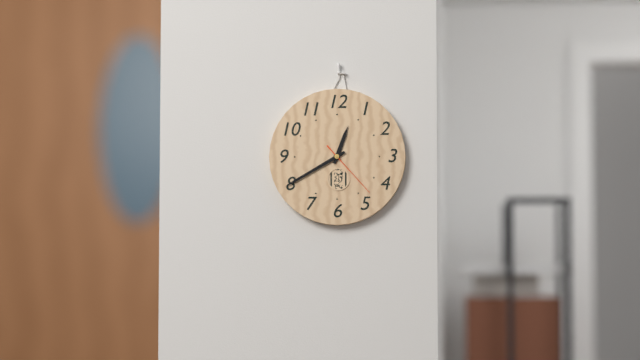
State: h=12 m=40 s=23
